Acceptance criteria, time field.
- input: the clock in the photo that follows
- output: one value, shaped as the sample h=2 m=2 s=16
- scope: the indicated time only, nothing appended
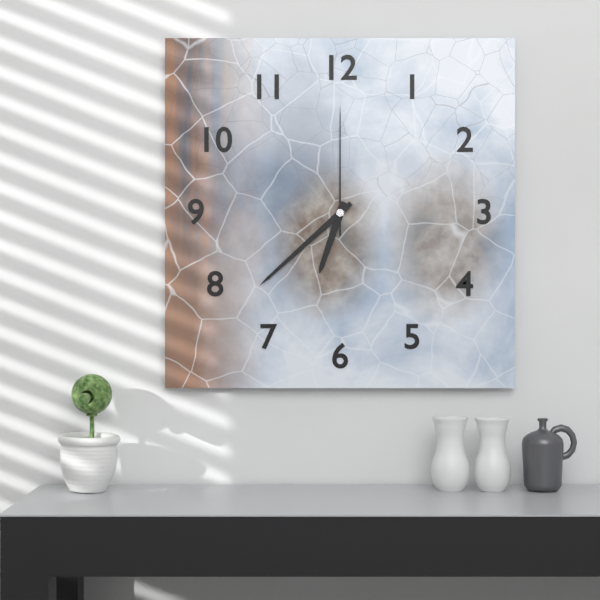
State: h=6 m=38 s=0
